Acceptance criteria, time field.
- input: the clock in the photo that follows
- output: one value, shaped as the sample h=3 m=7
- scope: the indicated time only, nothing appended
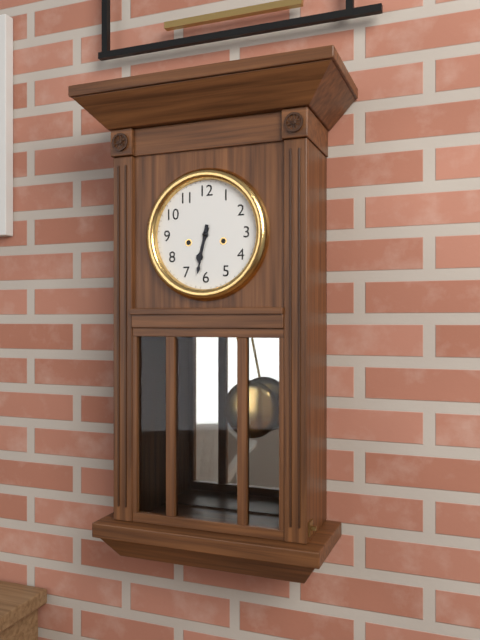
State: h=6 m=32
